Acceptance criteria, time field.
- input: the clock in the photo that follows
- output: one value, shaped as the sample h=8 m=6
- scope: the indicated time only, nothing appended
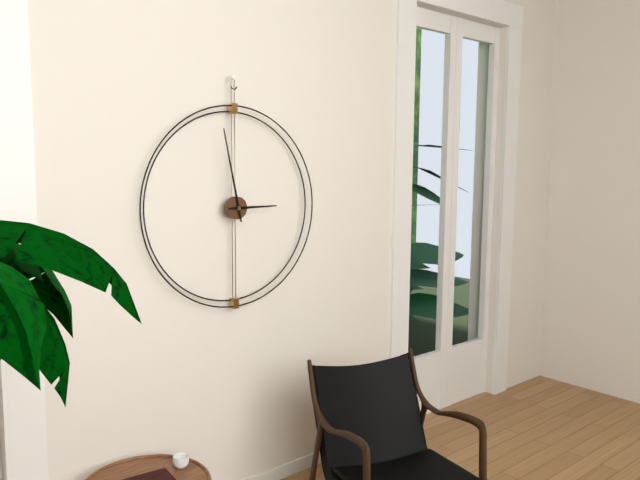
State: h=2 m=58
